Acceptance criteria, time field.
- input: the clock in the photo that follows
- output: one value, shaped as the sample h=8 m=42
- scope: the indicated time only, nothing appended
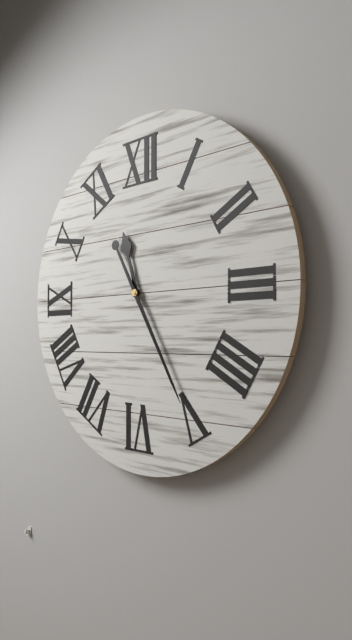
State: h=11 m=25
